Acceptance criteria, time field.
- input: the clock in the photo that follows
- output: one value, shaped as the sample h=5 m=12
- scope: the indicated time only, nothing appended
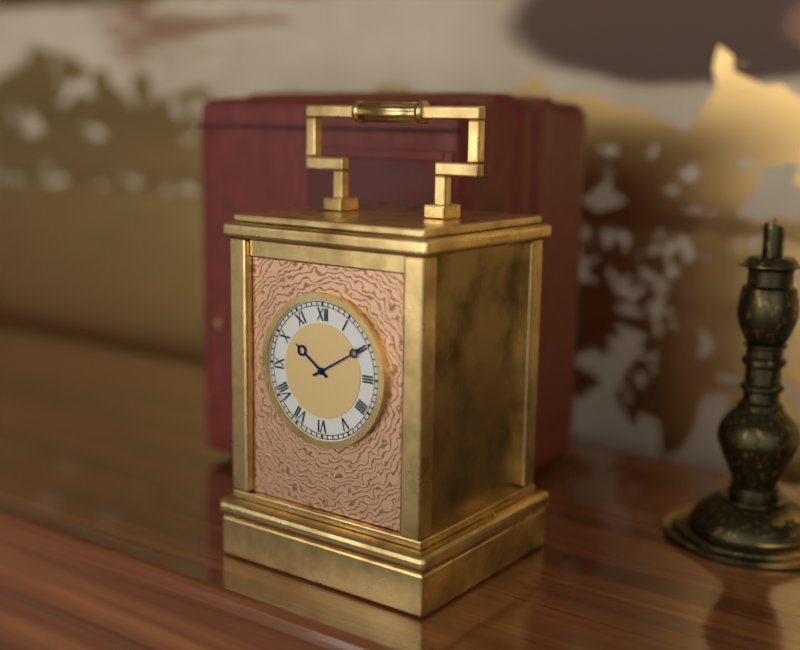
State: h=10 m=10
